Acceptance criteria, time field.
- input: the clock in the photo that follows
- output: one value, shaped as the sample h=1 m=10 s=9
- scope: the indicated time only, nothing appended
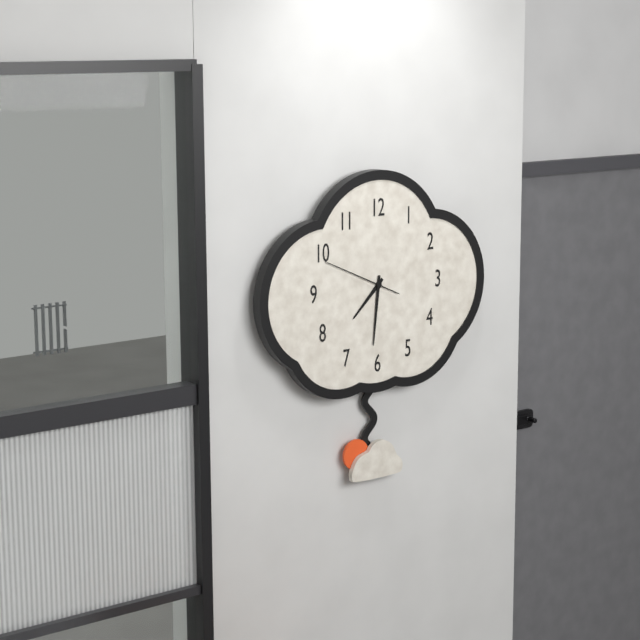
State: h=7 m=31 s=49
